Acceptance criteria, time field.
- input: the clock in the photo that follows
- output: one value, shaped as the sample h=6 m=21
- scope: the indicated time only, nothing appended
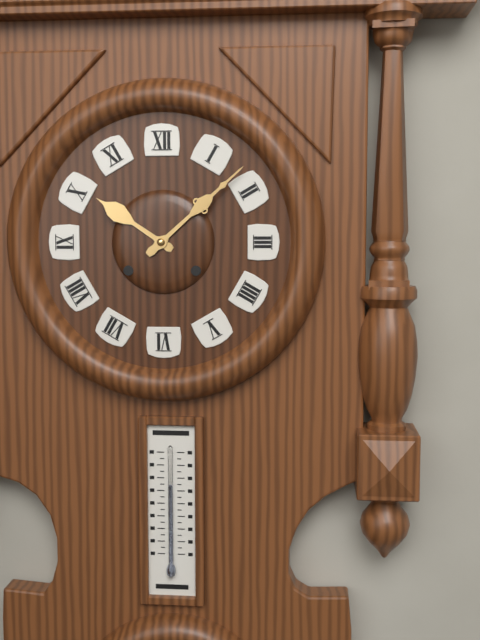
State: h=10 m=8
